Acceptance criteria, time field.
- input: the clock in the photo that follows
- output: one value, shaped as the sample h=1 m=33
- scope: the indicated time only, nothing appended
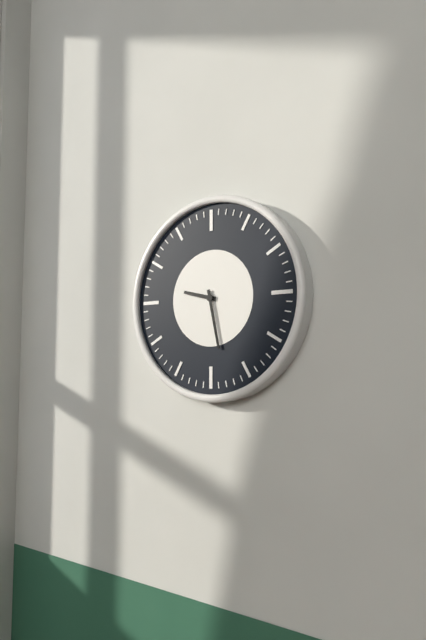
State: h=9 m=28
